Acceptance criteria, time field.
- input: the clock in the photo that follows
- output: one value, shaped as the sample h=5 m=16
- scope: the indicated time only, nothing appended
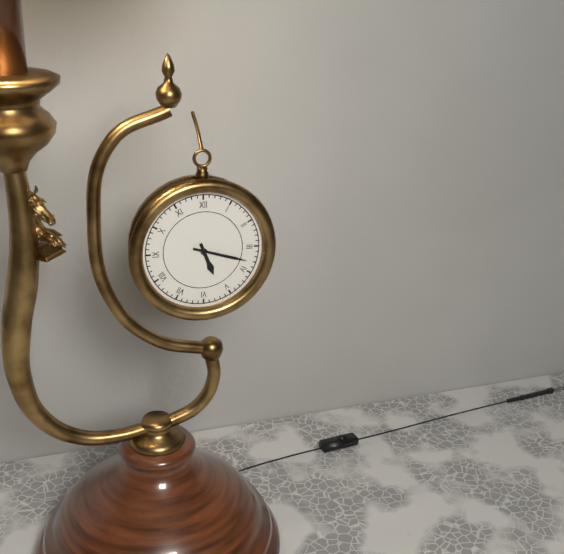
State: h=5 m=18
